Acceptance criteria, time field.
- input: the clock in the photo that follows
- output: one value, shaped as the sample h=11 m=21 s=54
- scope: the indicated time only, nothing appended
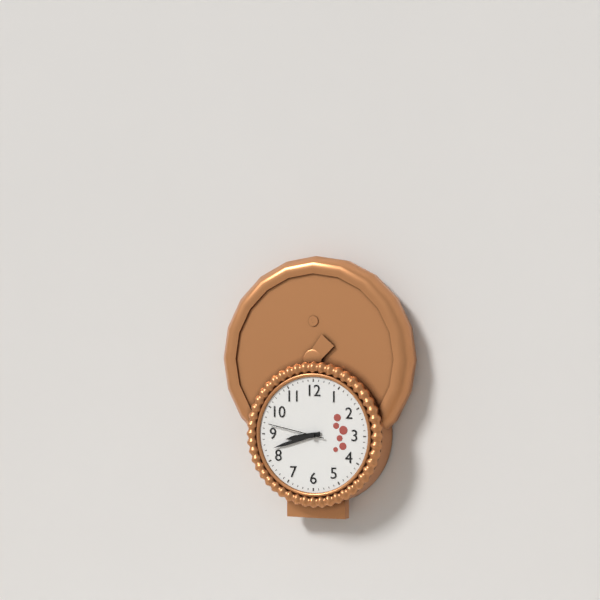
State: h=8 m=42 s=47
